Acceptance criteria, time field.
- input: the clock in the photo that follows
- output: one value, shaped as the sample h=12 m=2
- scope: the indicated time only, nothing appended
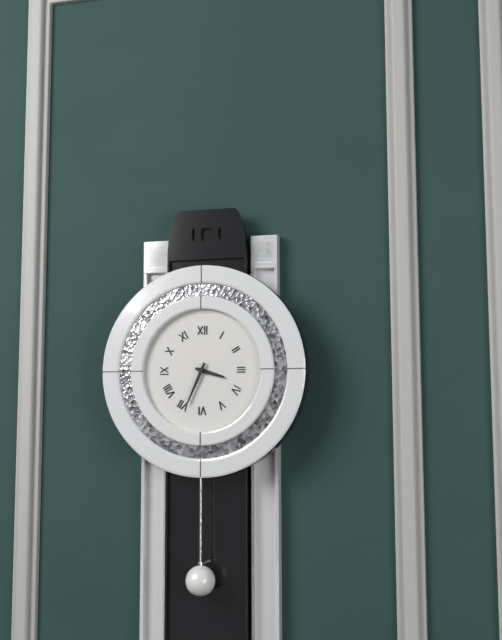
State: h=3 m=34
